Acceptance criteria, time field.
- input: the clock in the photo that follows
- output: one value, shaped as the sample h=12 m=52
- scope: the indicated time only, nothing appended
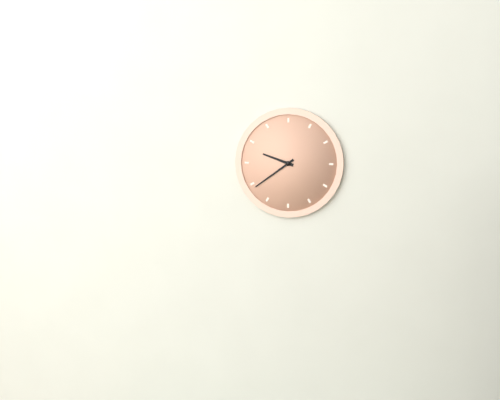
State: h=9 m=39
